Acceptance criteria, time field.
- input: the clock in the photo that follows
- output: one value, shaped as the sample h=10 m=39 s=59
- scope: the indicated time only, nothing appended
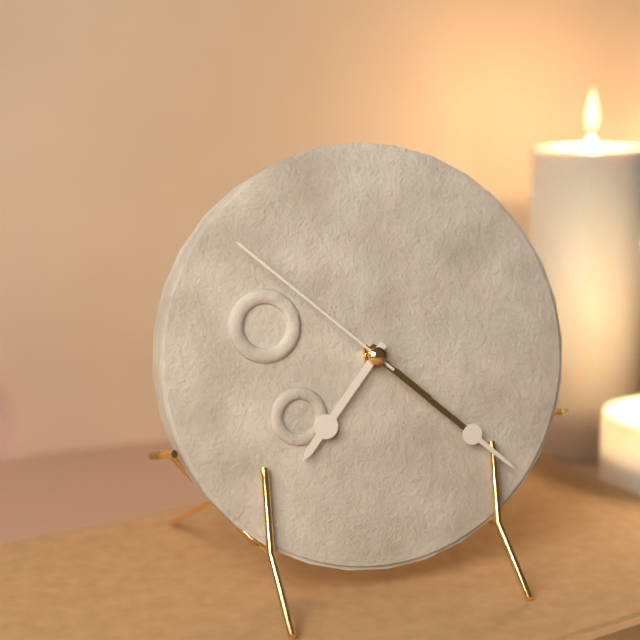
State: h=7 m=22 s=52
